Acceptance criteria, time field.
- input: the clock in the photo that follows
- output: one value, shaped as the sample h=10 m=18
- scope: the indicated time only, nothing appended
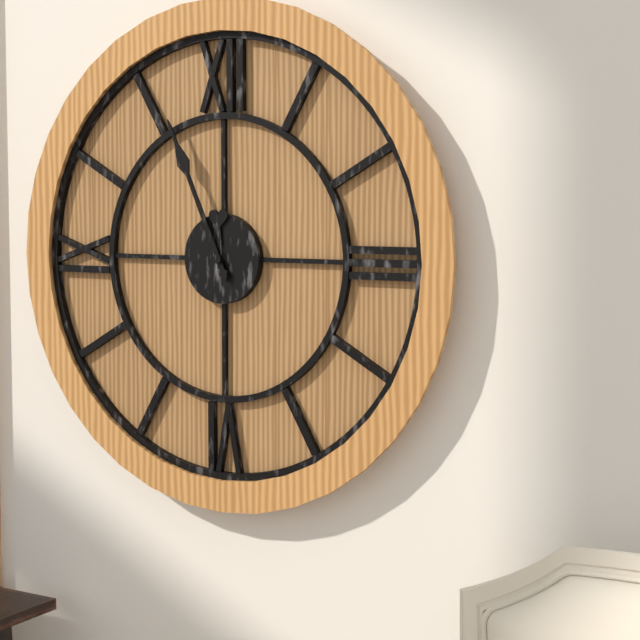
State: h=11 m=56
